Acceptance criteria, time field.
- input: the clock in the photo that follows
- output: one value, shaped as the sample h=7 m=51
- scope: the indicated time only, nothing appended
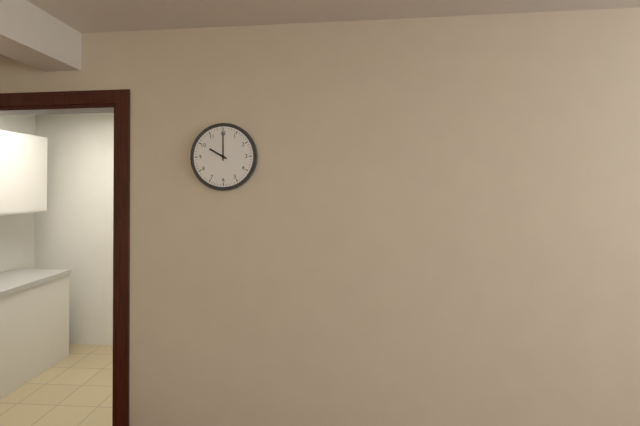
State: h=10 m=0
